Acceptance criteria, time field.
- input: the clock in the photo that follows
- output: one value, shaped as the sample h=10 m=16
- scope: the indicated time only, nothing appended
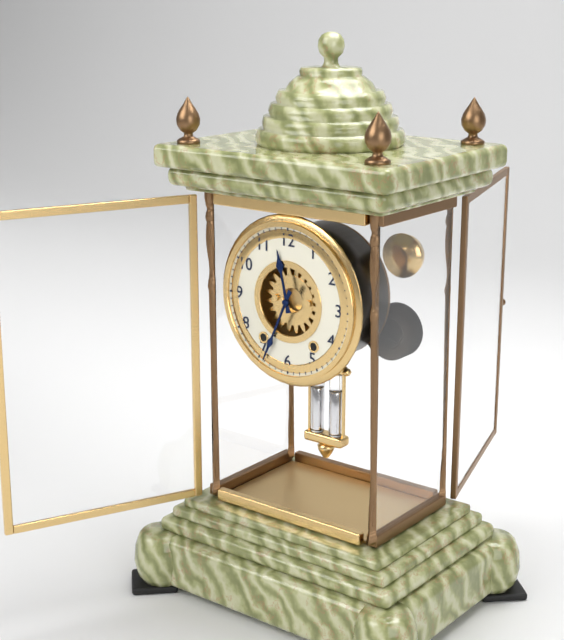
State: h=11 m=34
